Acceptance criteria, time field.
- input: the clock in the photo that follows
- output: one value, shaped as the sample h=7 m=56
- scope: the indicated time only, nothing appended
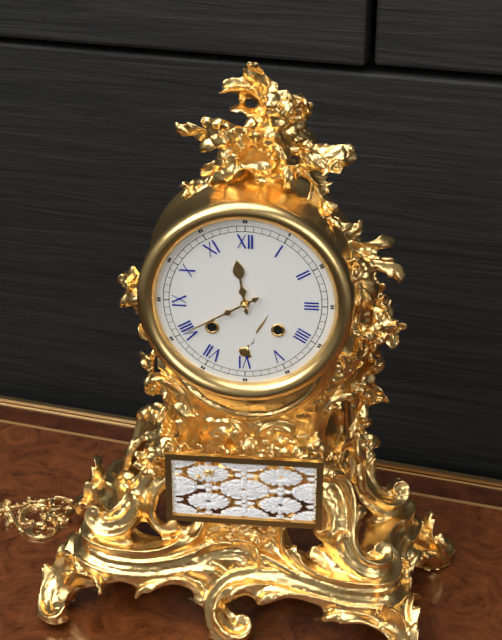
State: h=11 m=40
